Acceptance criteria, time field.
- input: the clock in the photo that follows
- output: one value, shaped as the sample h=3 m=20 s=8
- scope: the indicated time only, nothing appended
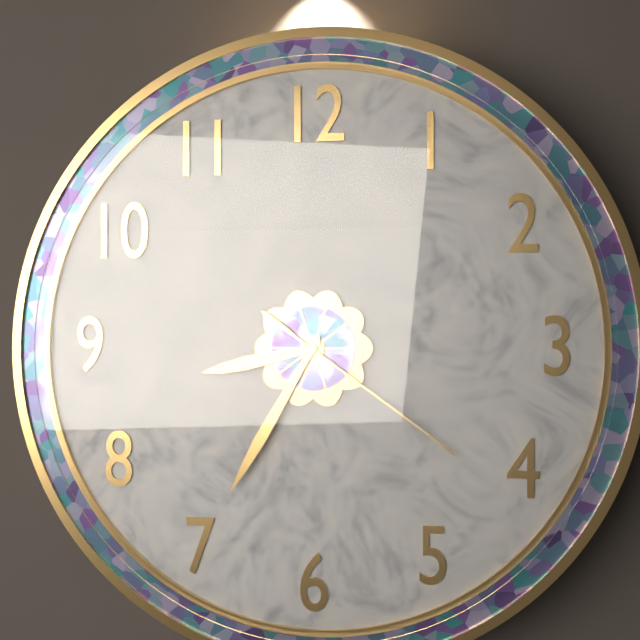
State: h=8 m=35 s=21
